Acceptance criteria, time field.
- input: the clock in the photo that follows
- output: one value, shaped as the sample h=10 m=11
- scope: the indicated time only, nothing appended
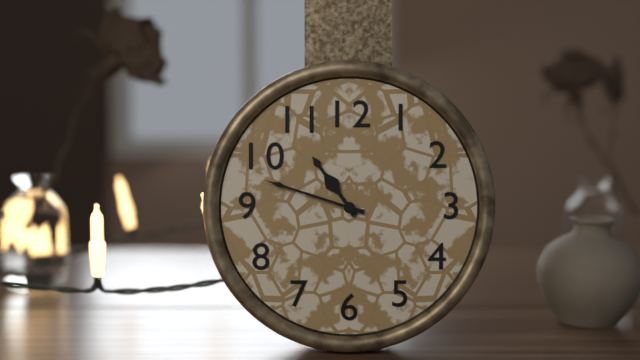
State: h=10 m=48
